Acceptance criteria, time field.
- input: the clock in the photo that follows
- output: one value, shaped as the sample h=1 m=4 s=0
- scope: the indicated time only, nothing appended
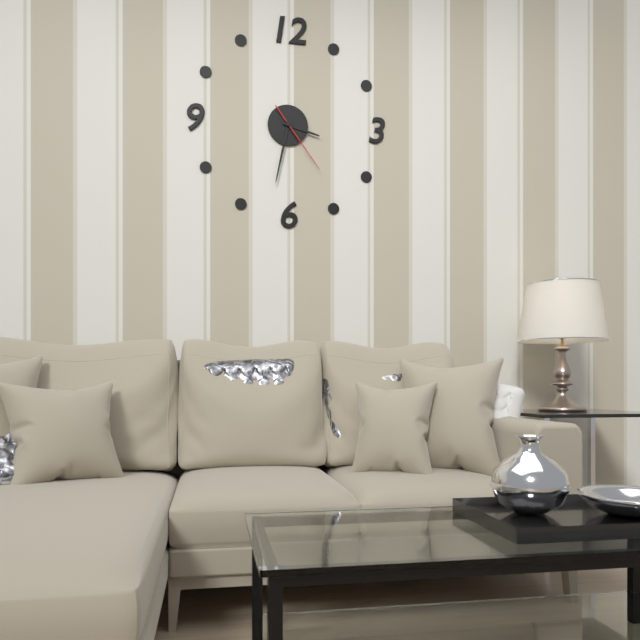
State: h=3 m=32 s=24
